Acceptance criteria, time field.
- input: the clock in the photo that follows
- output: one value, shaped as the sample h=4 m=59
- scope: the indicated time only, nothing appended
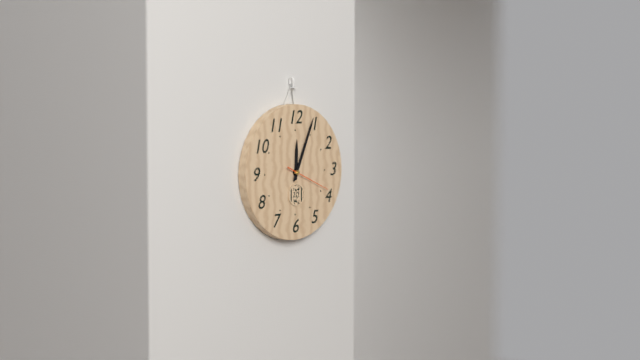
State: h=12 m=4
